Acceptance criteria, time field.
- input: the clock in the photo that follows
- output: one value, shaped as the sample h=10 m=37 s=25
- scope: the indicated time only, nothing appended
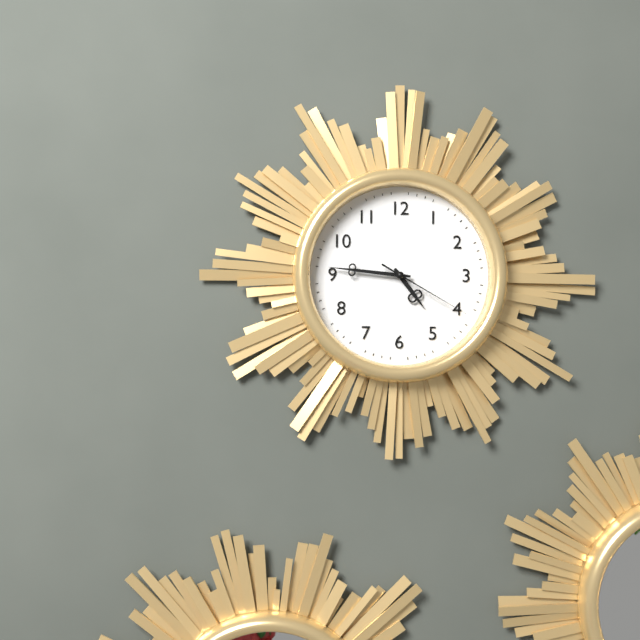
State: h=4 m=46 s=20
